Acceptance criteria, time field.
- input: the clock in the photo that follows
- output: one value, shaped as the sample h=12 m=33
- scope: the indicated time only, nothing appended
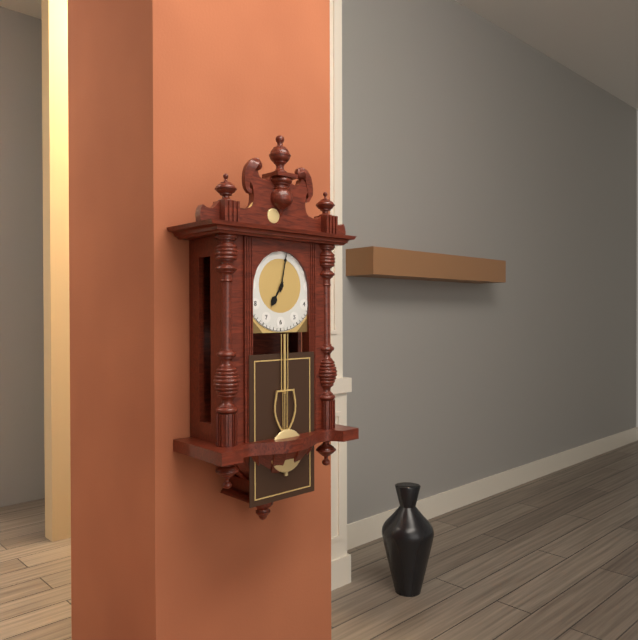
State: h=7 m=2
